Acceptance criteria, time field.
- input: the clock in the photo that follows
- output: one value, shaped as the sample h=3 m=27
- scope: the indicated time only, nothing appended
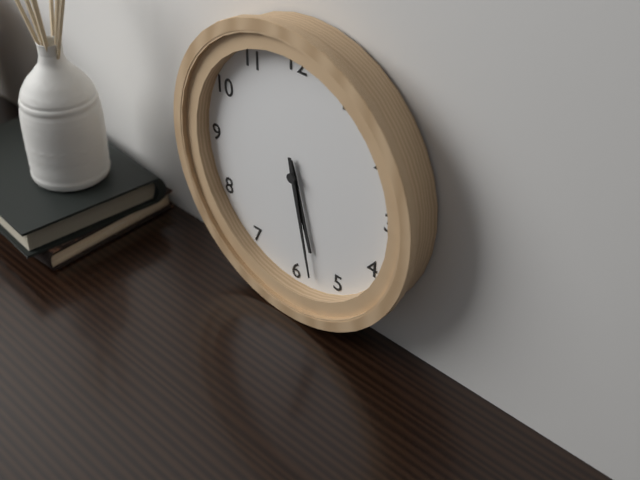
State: h=5 m=28
